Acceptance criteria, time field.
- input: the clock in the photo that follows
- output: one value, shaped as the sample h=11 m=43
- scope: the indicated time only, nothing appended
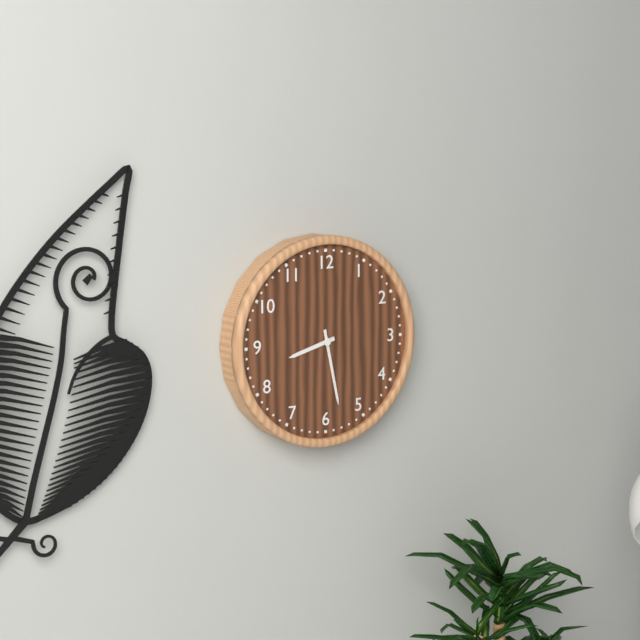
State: h=8 m=28
